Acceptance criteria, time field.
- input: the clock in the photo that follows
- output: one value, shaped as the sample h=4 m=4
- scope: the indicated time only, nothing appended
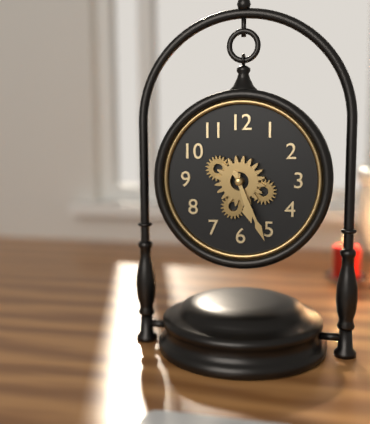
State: h=5 m=26
